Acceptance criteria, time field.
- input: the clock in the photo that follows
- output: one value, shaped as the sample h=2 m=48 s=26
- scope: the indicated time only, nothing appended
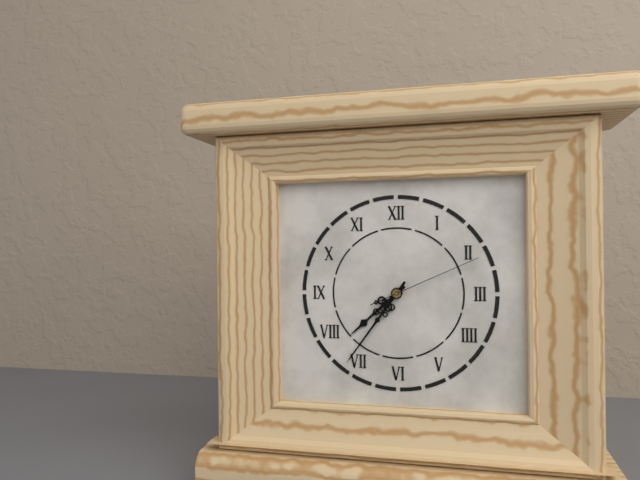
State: h=7 m=36 s=11
